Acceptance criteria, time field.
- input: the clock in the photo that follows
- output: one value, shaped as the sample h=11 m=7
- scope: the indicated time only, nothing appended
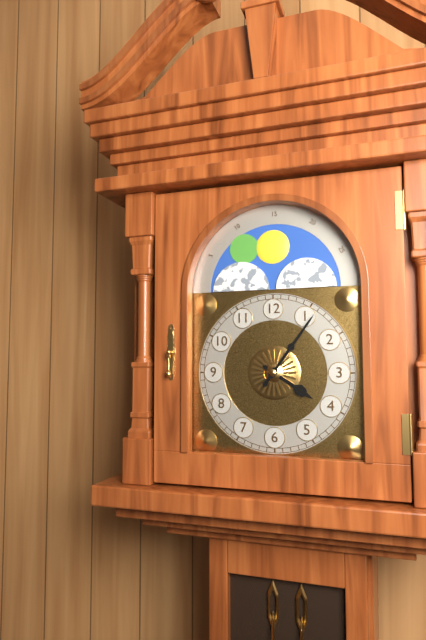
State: h=4 m=6
